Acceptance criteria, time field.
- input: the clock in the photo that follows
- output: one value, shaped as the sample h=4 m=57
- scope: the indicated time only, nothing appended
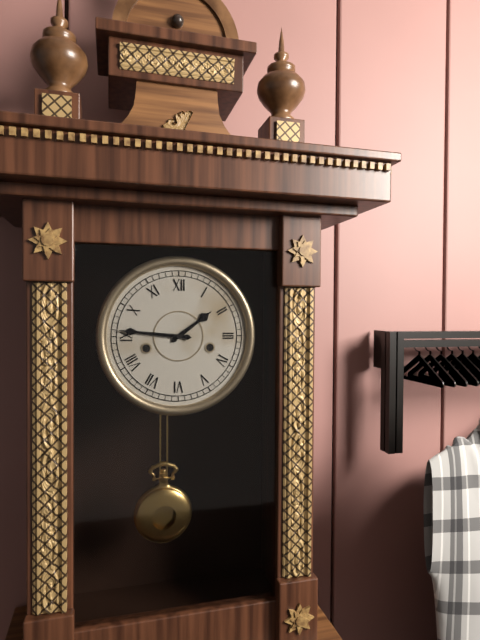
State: h=1 m=46
